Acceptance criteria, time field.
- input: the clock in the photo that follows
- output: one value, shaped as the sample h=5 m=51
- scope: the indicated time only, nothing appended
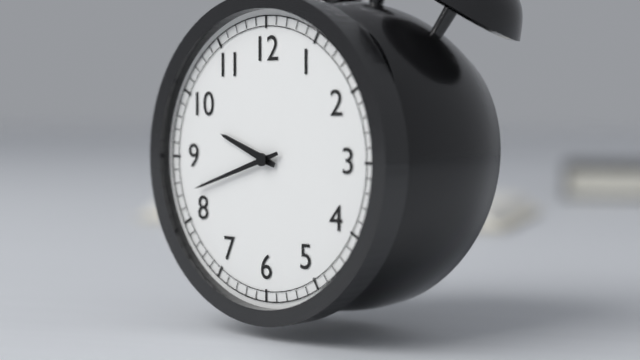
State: h=9 m=42
